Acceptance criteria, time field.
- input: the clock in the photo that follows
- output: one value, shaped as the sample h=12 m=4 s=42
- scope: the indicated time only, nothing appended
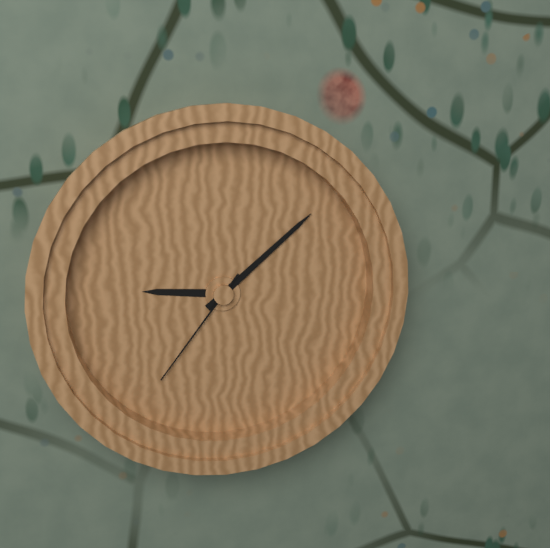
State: h=9 m=8 s=36
